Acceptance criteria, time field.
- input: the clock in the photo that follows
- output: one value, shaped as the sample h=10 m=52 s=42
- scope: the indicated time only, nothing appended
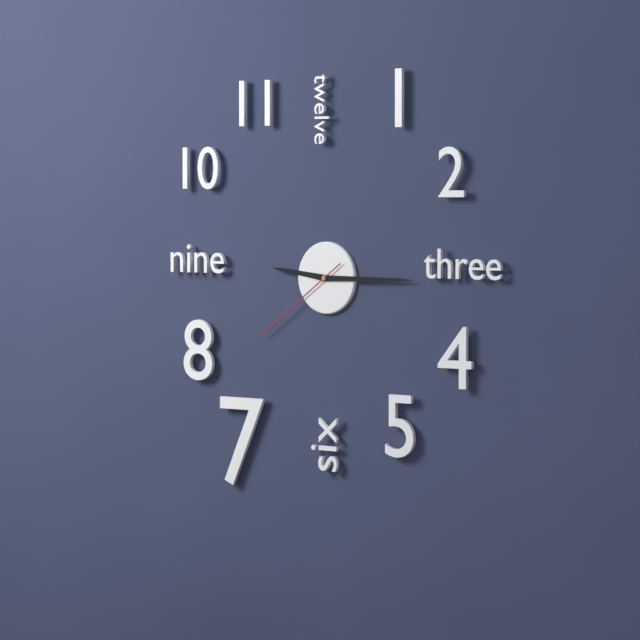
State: h=9 m=15 s=39
